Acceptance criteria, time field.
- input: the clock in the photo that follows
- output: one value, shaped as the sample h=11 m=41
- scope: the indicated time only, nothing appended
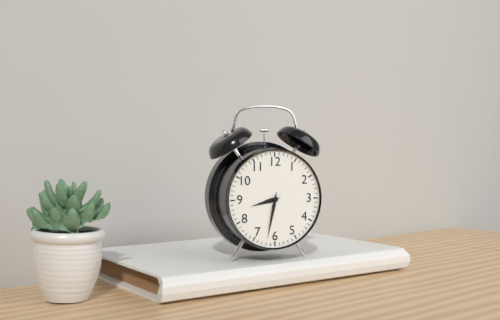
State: h=8 m=32
